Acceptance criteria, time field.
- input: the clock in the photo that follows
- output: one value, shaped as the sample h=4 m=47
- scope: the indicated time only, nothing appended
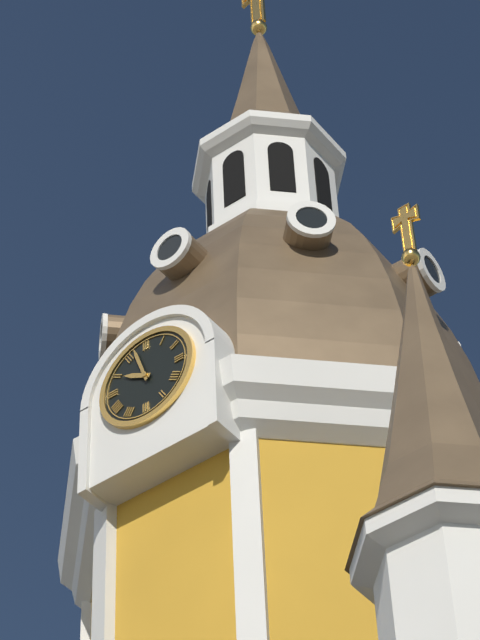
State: h=9 m=57
